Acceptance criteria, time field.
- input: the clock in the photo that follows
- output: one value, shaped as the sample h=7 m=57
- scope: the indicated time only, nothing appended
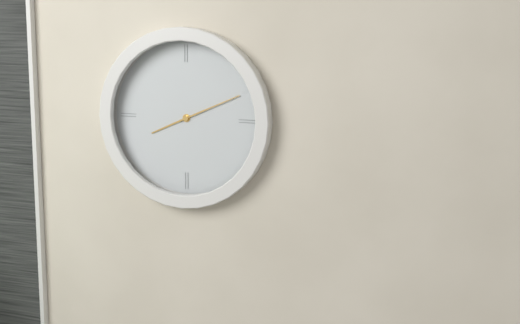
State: h=8 m=11
